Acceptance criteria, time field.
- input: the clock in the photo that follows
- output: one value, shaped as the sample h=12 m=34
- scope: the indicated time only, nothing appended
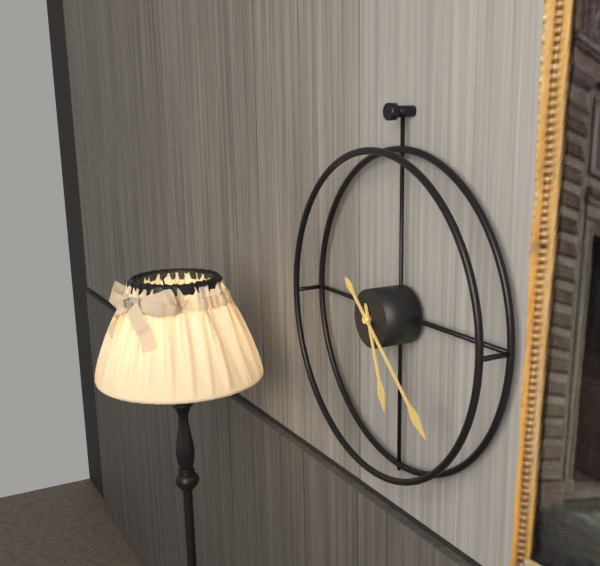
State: h=5 m=22
